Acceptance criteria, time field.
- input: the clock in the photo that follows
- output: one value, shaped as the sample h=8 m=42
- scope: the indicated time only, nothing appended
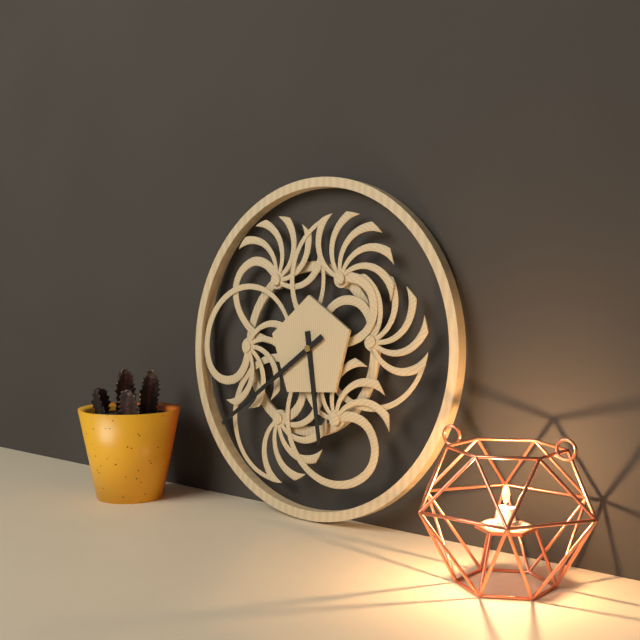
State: h=5 m=39
